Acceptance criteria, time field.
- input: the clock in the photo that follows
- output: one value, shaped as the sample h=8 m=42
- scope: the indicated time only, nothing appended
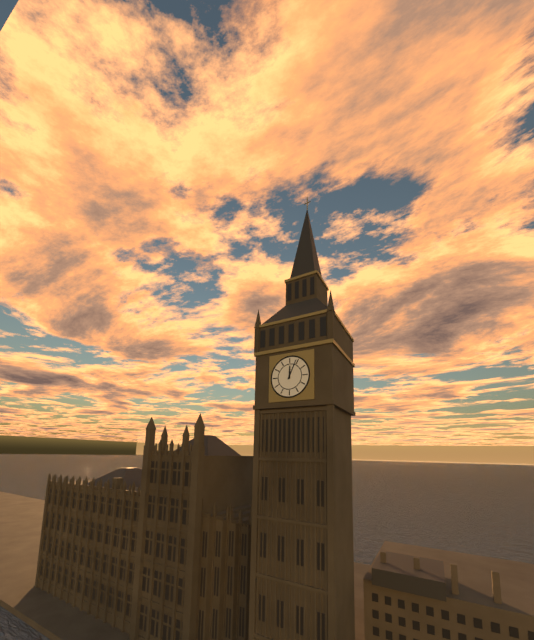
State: h=12 m=4
